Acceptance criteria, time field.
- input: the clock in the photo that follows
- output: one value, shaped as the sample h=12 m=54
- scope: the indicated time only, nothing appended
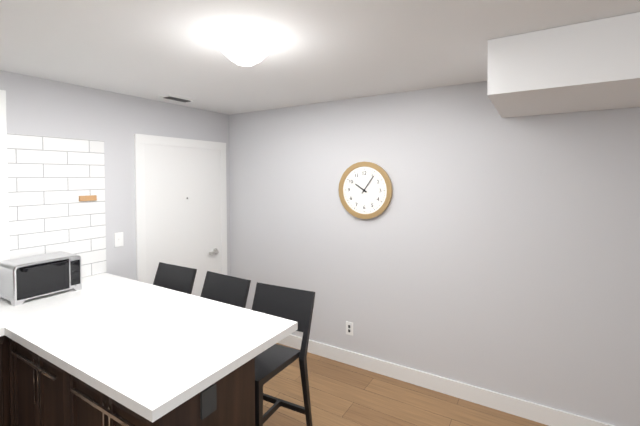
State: h=10 m=6
